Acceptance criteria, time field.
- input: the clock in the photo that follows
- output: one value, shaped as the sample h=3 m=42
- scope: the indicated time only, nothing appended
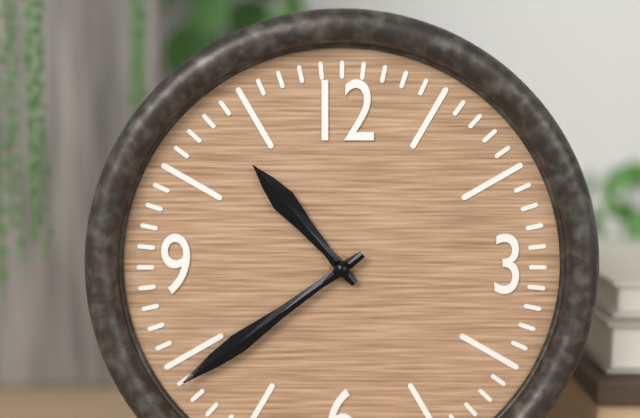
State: h=10 m=39
